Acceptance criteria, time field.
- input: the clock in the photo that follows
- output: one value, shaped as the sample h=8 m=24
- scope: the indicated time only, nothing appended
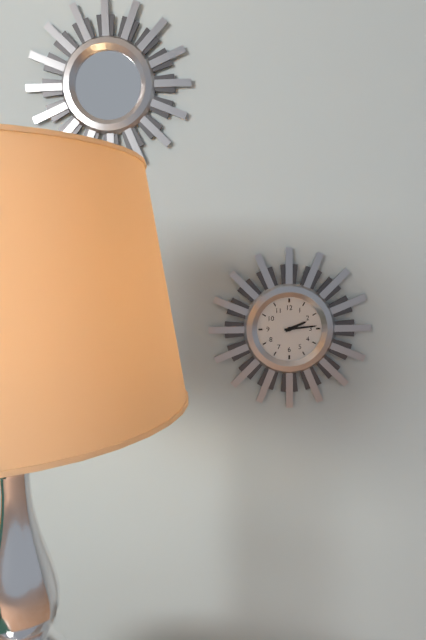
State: h=2 m=14
